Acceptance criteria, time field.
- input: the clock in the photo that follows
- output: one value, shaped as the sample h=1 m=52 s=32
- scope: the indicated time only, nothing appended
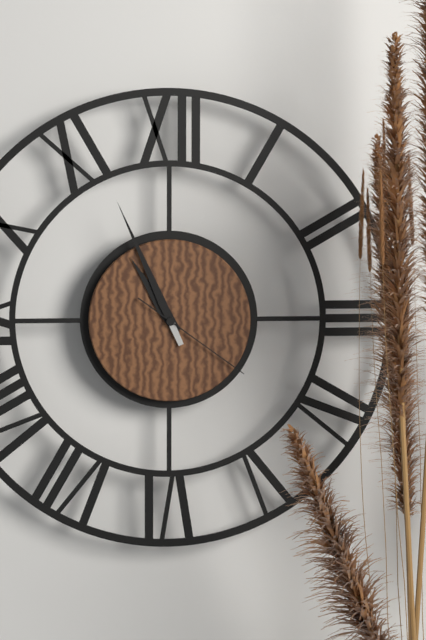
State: h=10 m=56 s=21
